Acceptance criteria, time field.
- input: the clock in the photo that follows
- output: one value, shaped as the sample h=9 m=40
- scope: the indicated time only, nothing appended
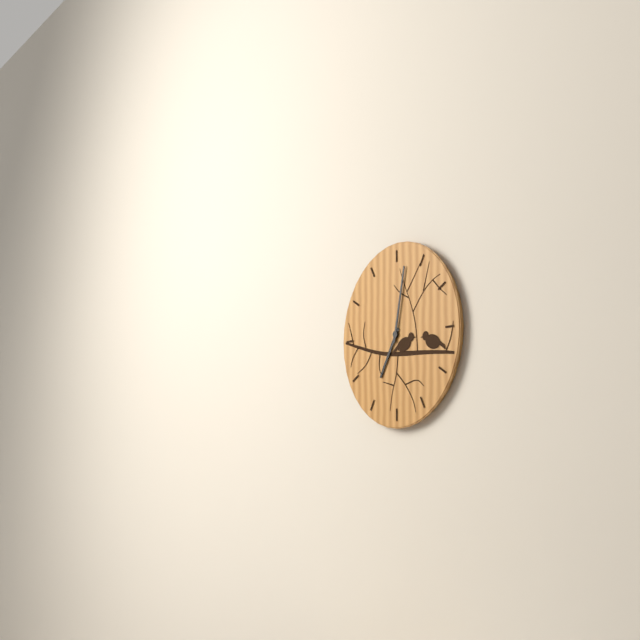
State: h=7 m=2
